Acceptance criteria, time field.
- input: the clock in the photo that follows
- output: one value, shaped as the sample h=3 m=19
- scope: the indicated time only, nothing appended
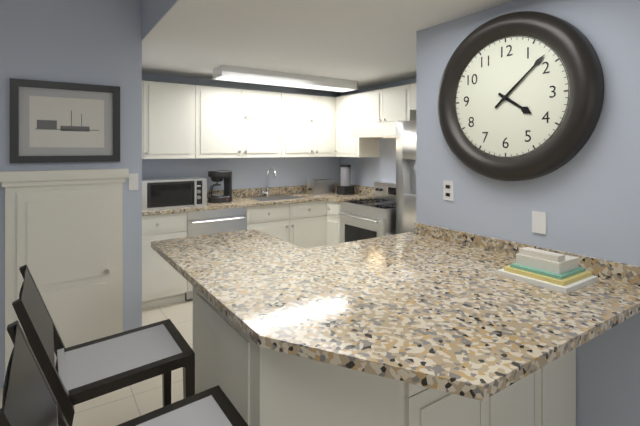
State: h=4 m=8
